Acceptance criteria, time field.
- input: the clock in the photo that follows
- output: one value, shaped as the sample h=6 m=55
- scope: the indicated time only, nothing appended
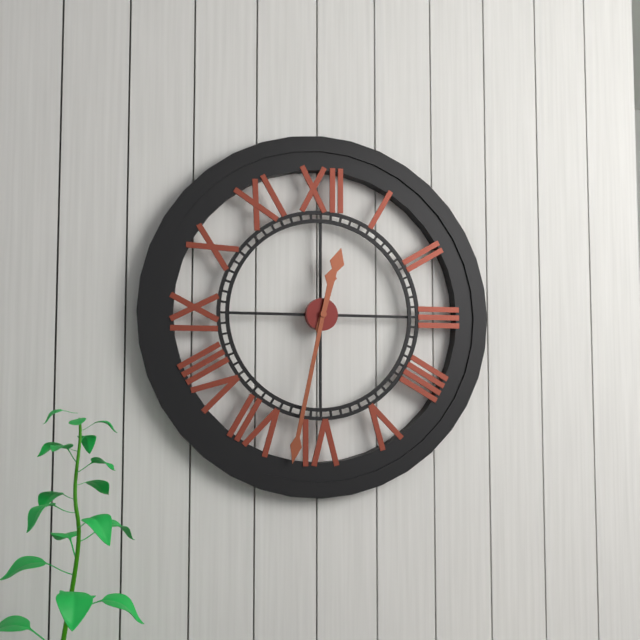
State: h=12 m=32
